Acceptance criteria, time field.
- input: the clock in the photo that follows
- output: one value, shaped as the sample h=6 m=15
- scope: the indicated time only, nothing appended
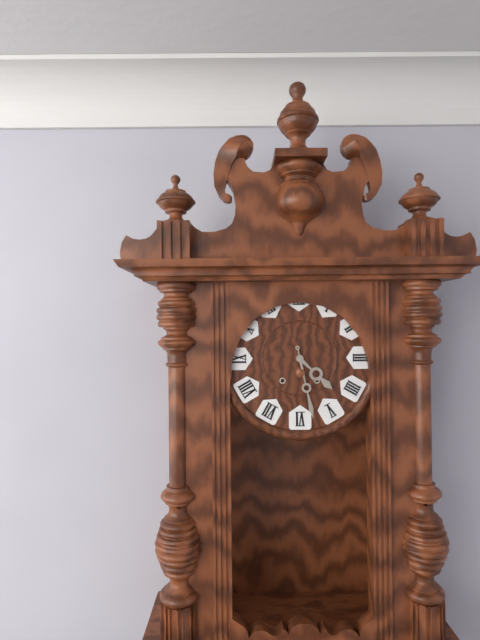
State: h=4 m=28
